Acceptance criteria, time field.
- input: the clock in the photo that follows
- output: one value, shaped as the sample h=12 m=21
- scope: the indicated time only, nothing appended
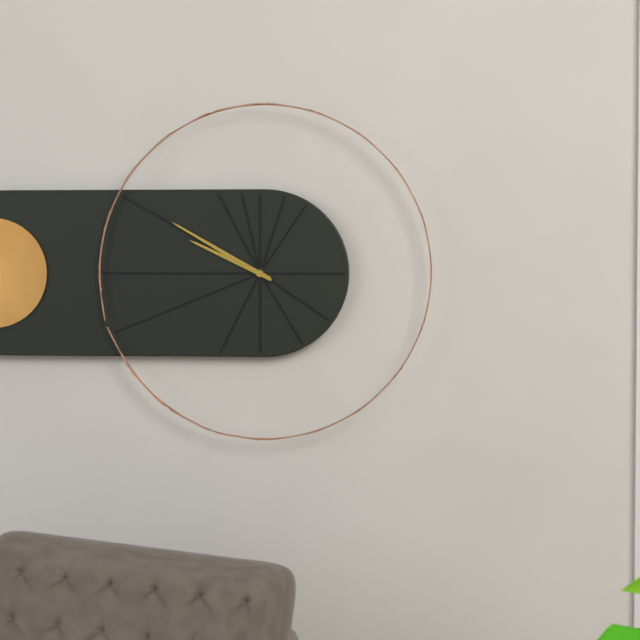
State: h=9 m=50
